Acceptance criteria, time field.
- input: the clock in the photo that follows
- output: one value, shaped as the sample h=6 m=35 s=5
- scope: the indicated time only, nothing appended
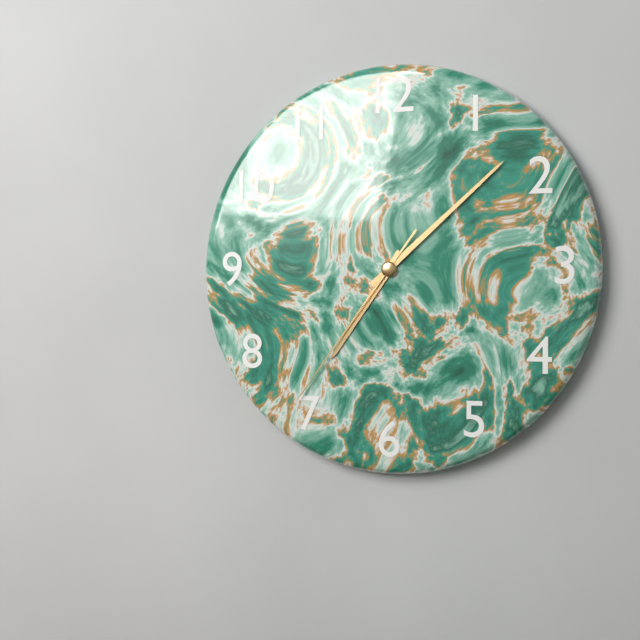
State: h=7 m=8 s=36
